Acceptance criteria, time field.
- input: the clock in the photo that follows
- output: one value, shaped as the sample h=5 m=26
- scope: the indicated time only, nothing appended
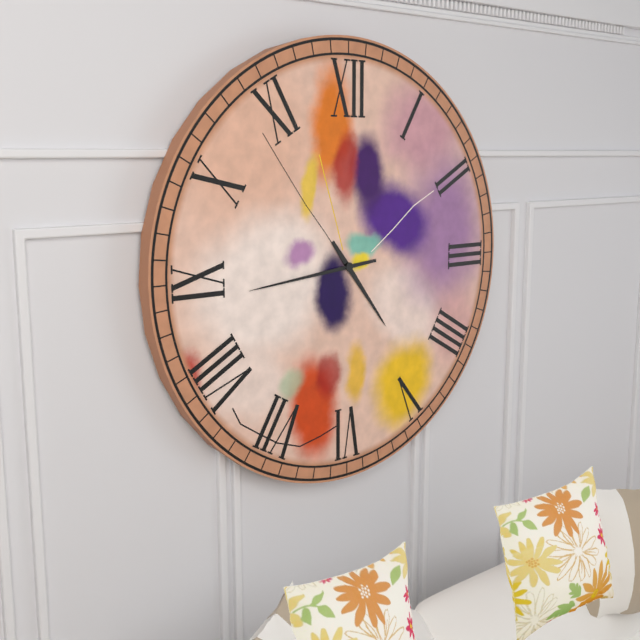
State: h=4 m=44
